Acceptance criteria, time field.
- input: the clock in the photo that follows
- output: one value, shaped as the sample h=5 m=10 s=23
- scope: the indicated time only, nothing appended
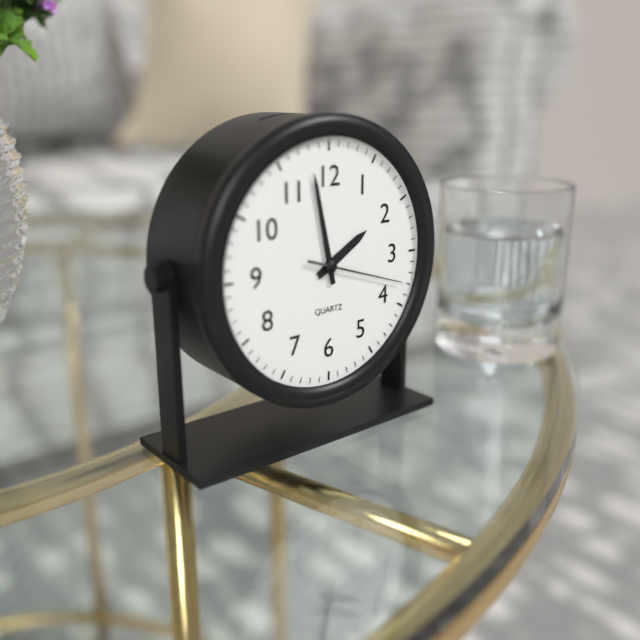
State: h=1 m=58 s=18
